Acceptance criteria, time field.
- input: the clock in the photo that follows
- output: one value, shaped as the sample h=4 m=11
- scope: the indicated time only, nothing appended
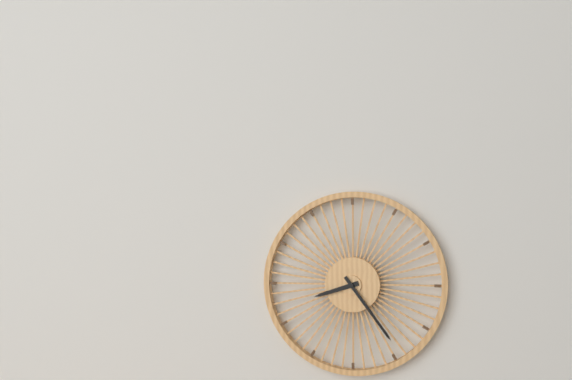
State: h=8 m=24
